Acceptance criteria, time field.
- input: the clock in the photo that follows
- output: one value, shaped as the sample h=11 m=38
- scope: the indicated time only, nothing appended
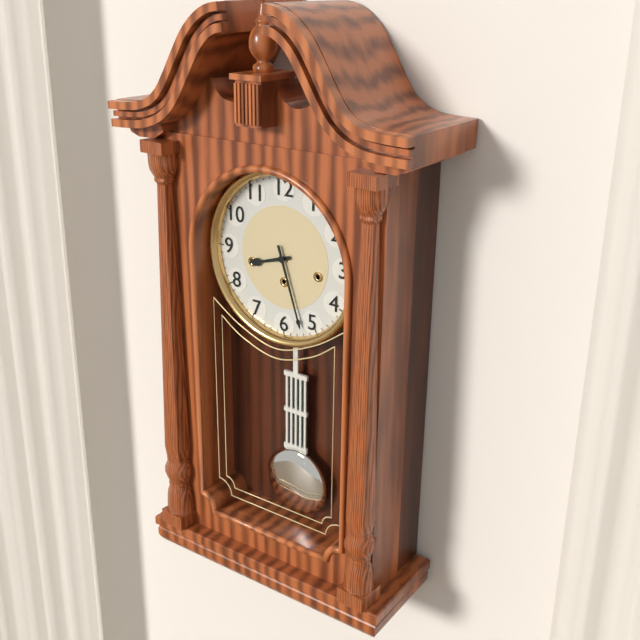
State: h=8 m=27
